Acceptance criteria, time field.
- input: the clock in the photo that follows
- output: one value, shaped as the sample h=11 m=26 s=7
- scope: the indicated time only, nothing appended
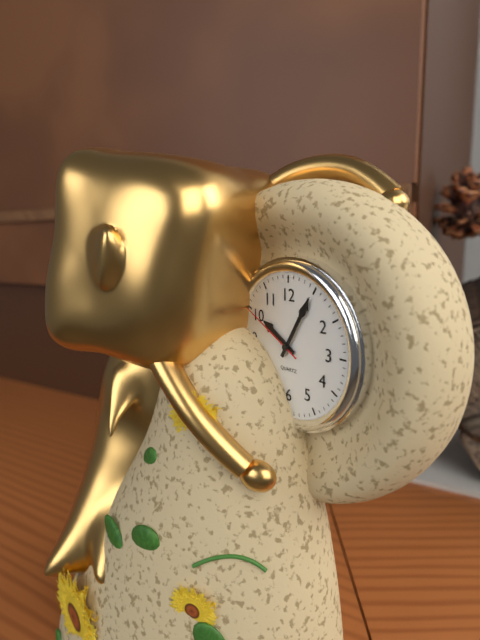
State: h=10 m=5 s=50
